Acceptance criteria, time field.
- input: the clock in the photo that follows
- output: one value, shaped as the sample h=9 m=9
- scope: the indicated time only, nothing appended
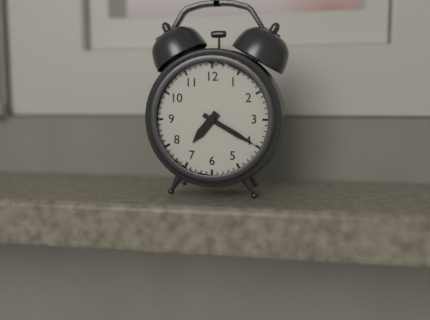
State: h=7 m=20
